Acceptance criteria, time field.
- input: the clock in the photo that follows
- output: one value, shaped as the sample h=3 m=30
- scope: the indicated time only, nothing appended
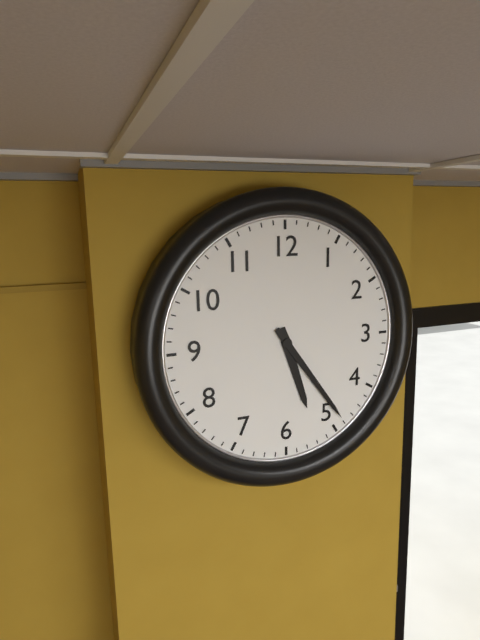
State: h=5 m=24
